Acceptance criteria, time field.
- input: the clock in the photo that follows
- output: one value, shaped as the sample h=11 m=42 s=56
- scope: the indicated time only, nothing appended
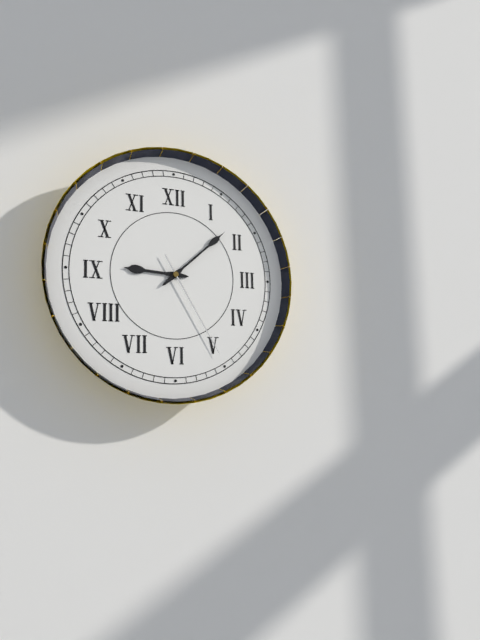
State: h=9 m=8 s=25
